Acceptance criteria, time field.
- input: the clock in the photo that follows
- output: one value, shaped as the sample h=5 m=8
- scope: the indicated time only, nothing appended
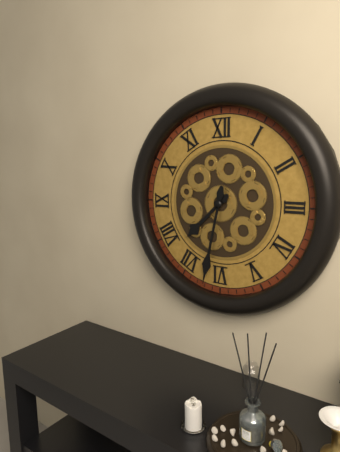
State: h=7 m=32
